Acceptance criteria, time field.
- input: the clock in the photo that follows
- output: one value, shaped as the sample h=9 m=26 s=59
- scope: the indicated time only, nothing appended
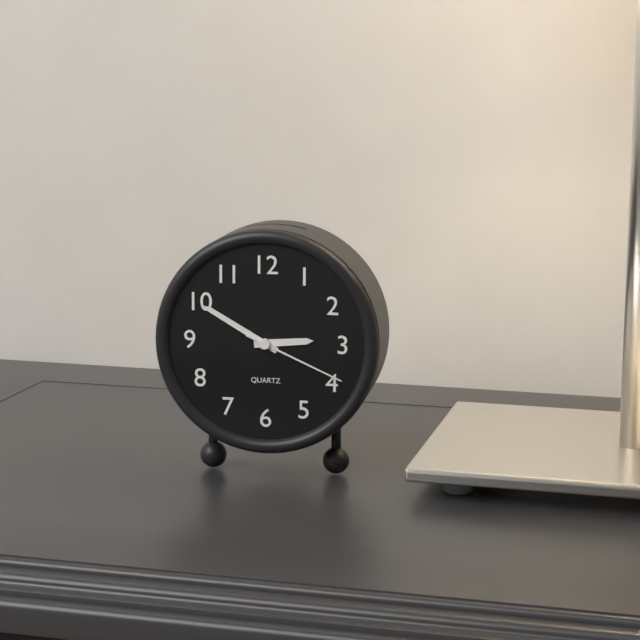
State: h=2 m=50 s=19
